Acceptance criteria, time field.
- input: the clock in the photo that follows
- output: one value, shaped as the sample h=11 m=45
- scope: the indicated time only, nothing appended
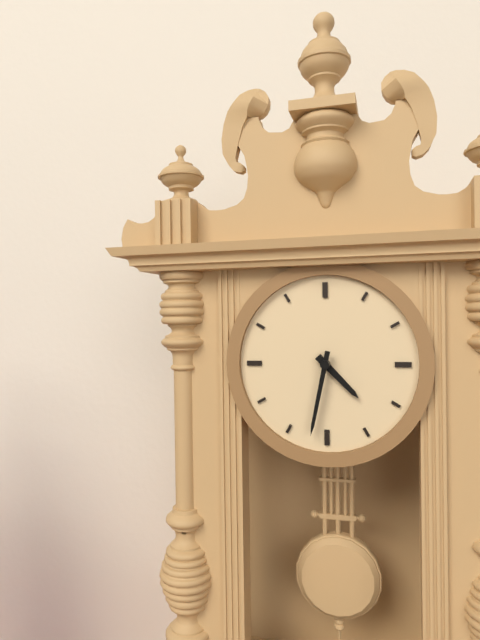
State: h=4 m=32
